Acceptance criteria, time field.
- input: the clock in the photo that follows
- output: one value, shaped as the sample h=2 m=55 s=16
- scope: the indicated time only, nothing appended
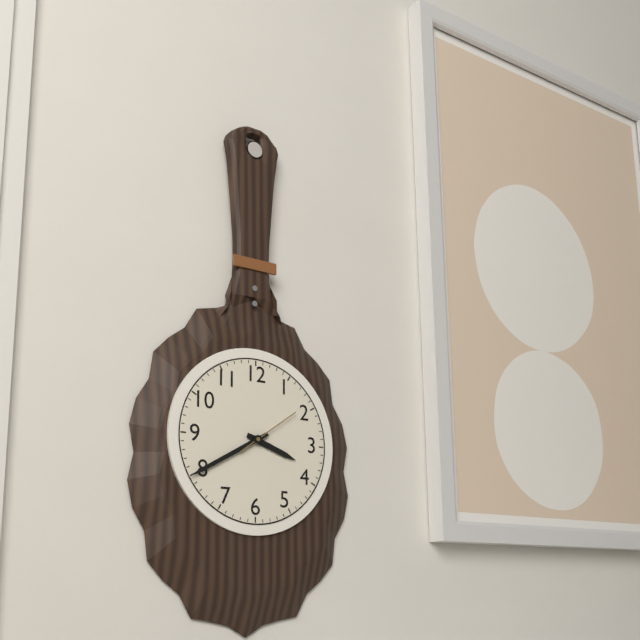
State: h=3 m=40 s=9
